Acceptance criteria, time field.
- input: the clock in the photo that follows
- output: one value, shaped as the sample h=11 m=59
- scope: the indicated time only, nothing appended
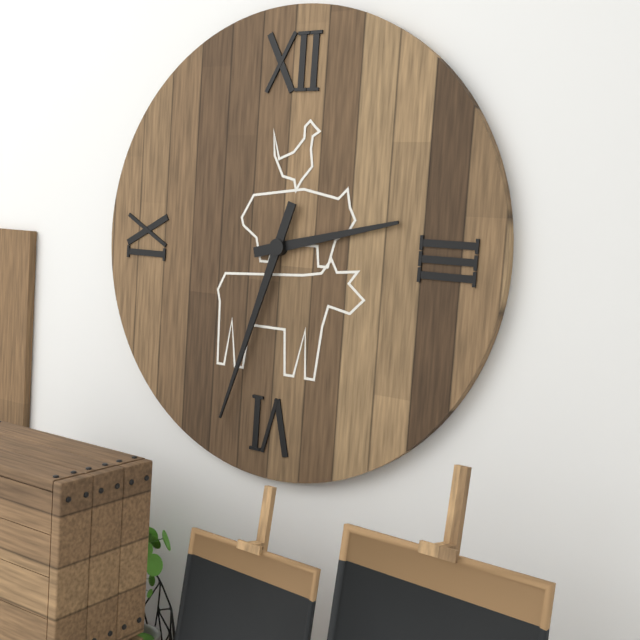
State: h=2 m=33
